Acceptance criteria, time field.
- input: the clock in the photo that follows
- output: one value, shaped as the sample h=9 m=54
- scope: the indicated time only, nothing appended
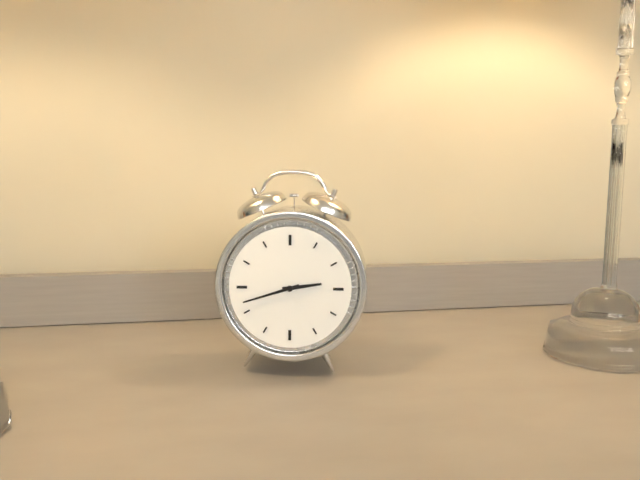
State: h=2 m=42
